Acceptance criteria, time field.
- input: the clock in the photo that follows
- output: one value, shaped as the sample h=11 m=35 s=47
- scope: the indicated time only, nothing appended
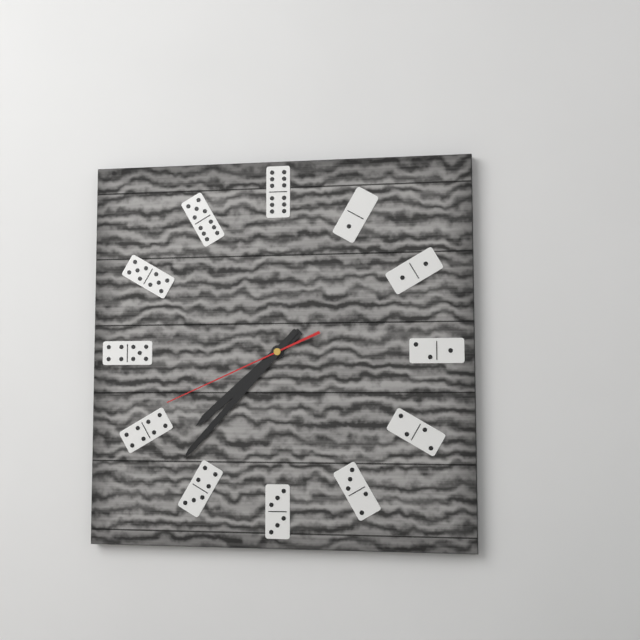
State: h=7 m=37 s=41
